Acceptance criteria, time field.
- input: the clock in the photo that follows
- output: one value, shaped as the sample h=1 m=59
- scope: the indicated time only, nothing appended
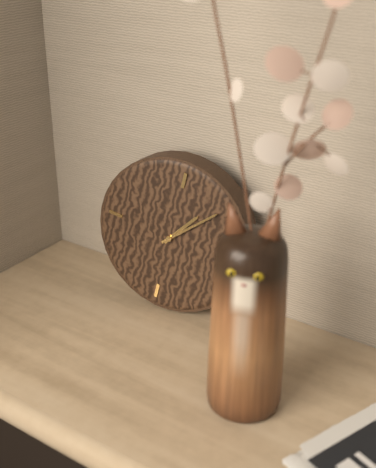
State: h=1 m=7
